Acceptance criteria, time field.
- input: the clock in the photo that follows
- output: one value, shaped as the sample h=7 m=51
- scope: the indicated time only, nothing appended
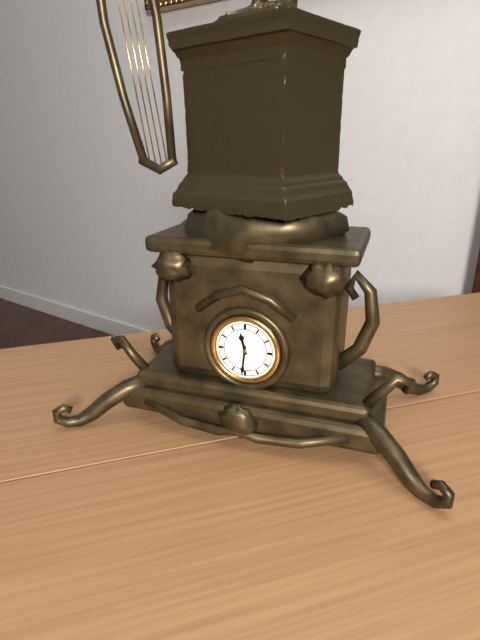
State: h=11 m=31
